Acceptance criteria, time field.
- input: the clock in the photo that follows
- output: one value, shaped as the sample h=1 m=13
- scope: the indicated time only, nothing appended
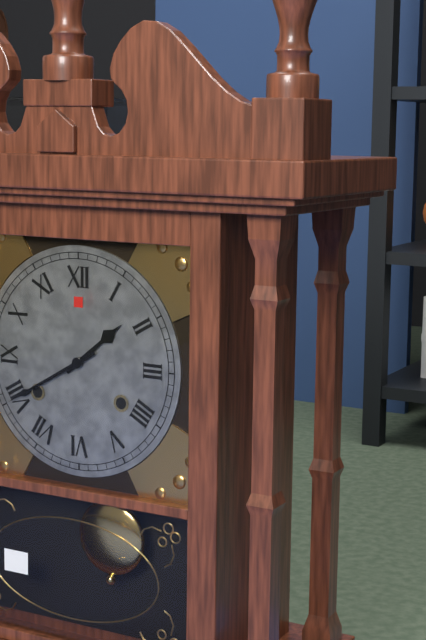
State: h=1 m=40
